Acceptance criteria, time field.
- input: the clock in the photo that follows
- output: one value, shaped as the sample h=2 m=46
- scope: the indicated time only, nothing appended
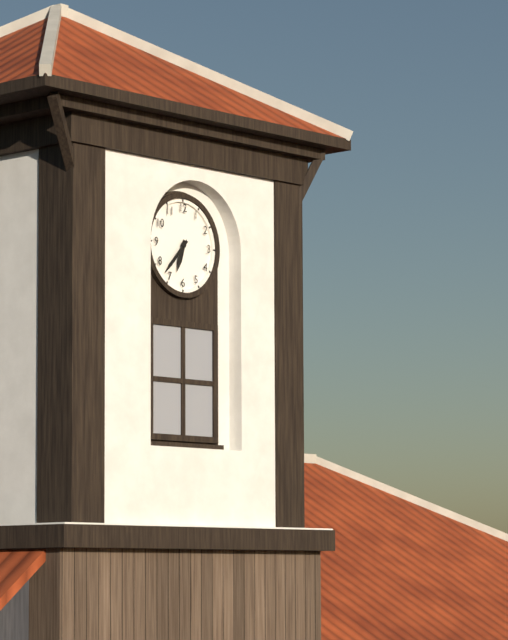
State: h=6 m=37
